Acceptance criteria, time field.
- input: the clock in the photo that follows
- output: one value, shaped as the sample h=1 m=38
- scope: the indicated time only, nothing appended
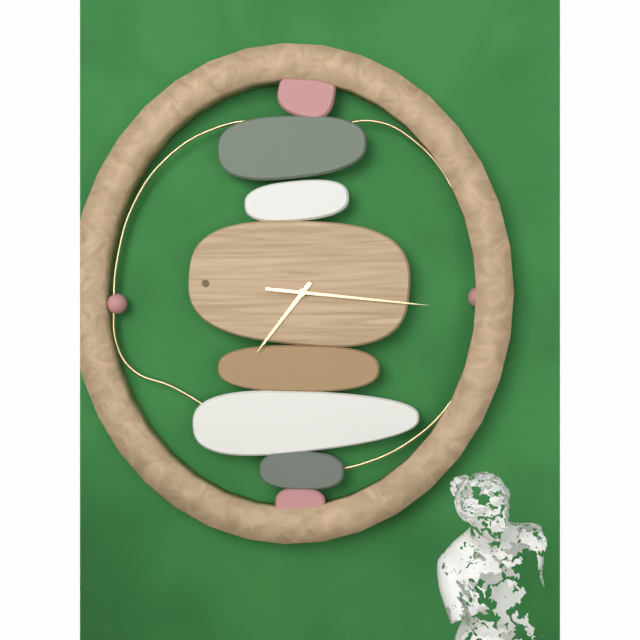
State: h=7 m=16
